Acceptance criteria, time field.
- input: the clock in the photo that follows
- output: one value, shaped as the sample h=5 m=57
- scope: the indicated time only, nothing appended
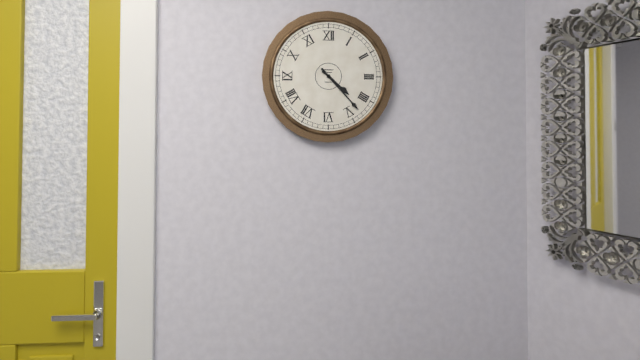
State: h=4 m=23
